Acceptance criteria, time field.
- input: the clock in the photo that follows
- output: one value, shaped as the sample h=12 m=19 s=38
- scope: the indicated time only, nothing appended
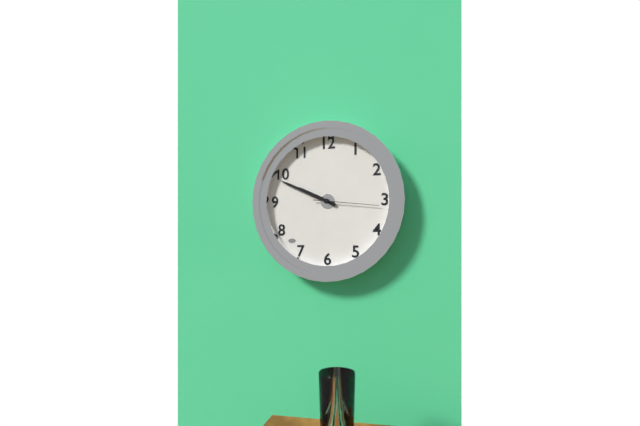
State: h=9 m=49 s=16
